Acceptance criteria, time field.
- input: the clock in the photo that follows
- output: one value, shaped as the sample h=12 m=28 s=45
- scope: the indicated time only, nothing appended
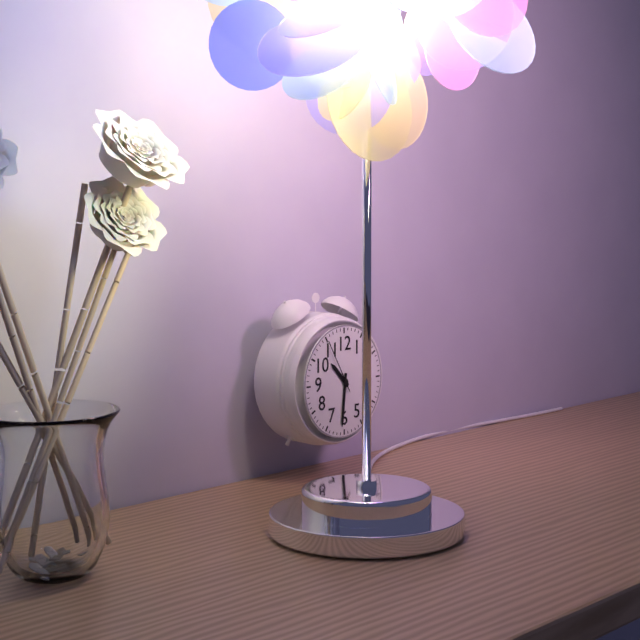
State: h=10 m=31 s=55
